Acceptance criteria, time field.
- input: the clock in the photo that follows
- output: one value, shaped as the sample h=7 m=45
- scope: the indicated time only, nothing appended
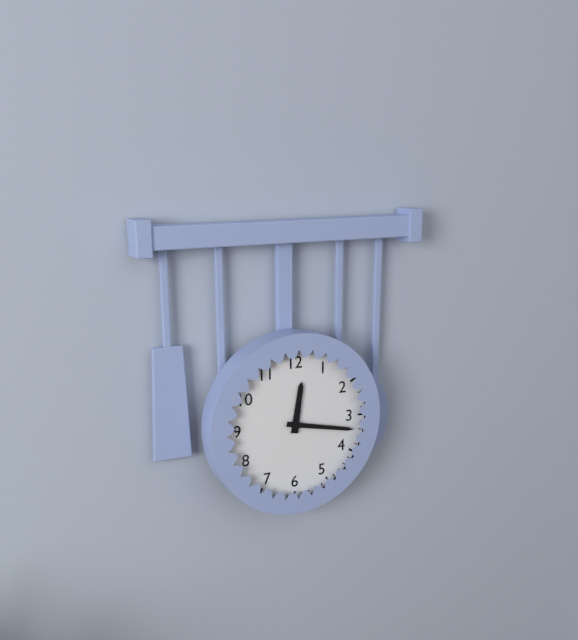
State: h=12 m=17
